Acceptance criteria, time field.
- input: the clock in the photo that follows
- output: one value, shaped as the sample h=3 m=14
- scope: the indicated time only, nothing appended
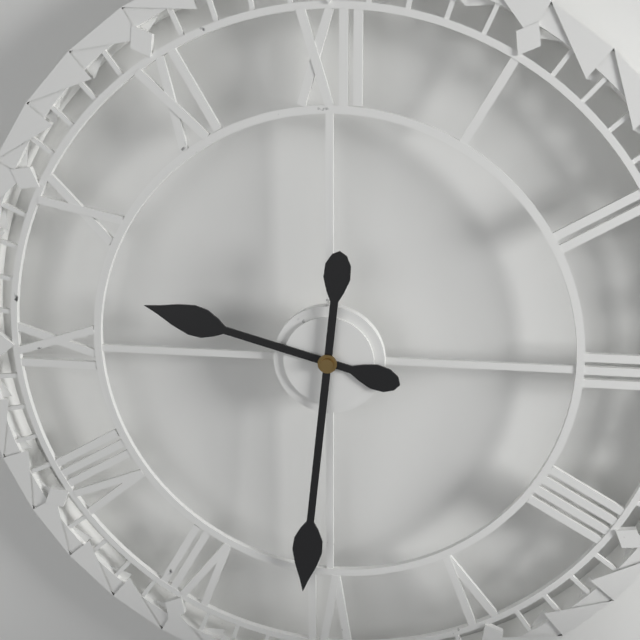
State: h=9 m=31
